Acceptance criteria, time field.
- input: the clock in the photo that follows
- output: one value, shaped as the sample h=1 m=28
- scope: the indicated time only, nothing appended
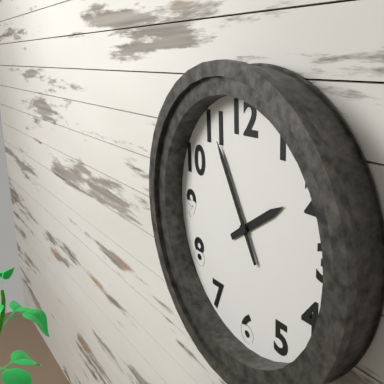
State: h=1 m=55
